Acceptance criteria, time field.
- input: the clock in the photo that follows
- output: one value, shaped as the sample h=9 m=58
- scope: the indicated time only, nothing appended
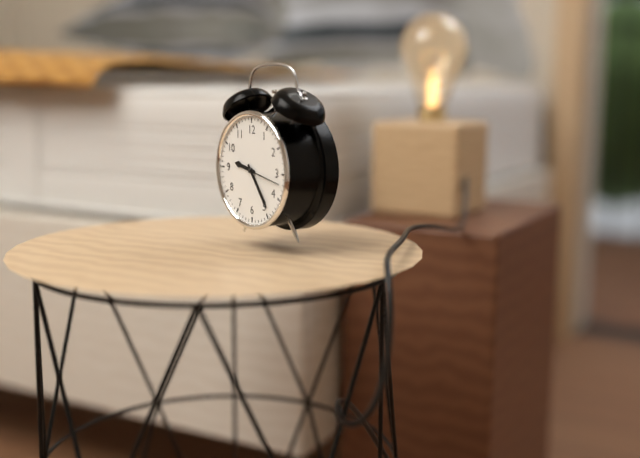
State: h=9 m=24
